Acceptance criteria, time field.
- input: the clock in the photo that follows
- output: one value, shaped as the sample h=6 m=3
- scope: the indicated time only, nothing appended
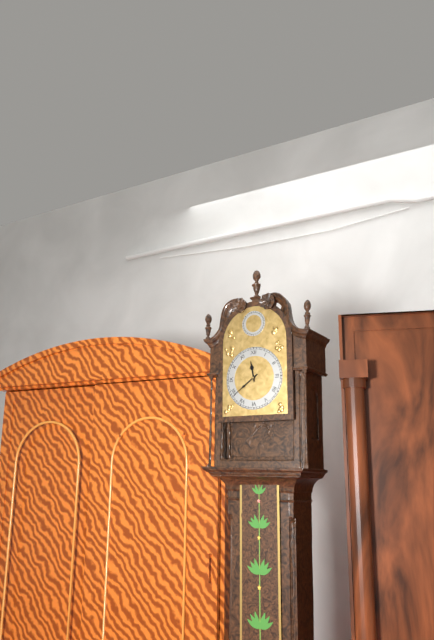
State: h=11 m=39
